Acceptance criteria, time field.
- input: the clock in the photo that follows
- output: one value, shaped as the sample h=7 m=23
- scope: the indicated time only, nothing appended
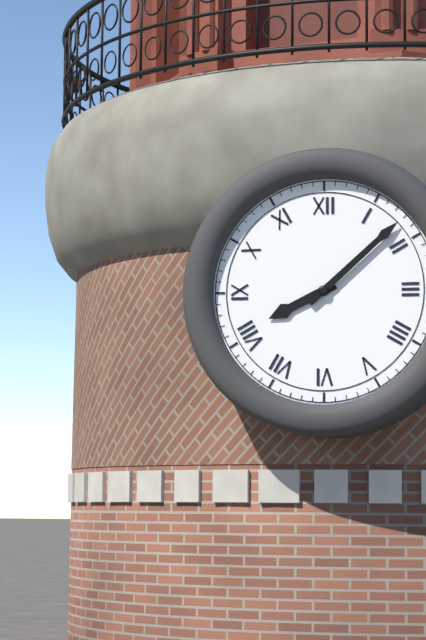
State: h=8 m=8
